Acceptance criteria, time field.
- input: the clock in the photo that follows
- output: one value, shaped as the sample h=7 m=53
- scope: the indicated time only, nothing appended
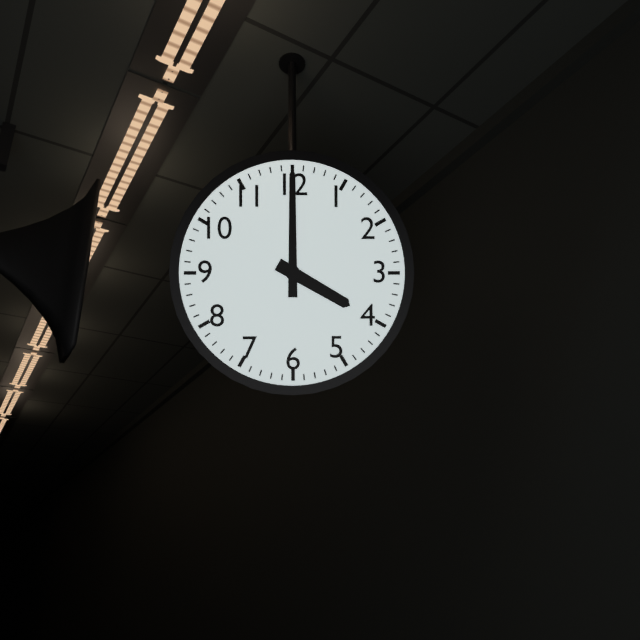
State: h=4 m=0
